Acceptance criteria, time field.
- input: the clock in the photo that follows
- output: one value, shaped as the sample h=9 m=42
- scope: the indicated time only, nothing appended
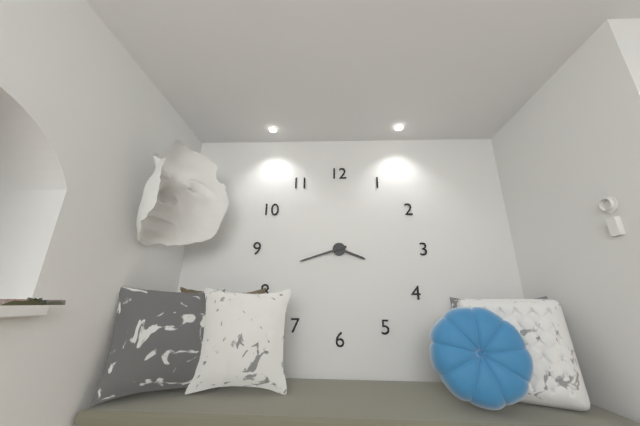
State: h=3 m=42
